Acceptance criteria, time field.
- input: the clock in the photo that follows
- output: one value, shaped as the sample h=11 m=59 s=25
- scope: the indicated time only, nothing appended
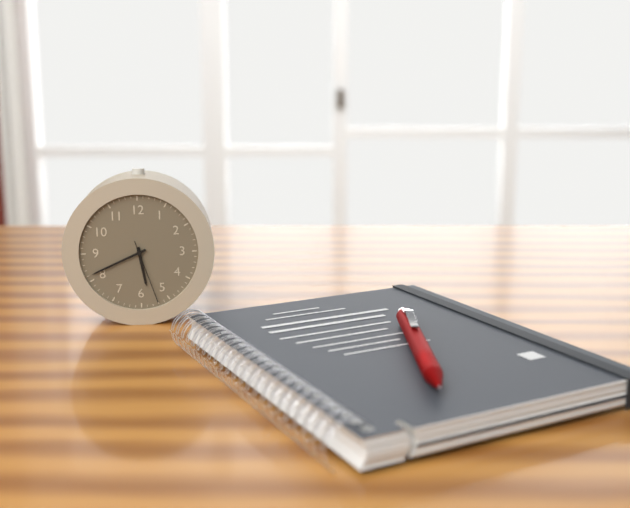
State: h=5 m=41 s=27
